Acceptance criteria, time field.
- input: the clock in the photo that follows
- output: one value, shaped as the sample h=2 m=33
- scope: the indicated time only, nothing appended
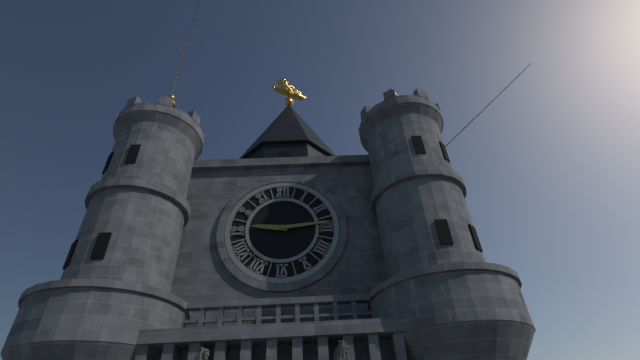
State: h=9 m=14
